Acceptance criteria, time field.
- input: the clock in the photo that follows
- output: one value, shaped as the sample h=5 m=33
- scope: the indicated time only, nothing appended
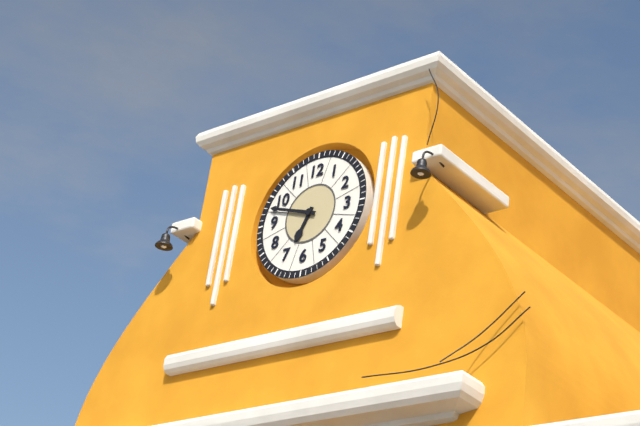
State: h=6 m=48
